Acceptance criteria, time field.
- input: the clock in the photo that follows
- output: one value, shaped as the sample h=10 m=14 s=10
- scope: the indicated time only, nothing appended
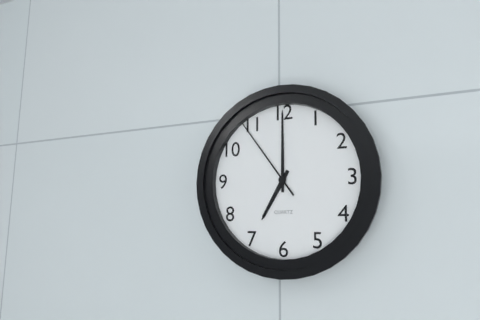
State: h=7 m=0 s=54
